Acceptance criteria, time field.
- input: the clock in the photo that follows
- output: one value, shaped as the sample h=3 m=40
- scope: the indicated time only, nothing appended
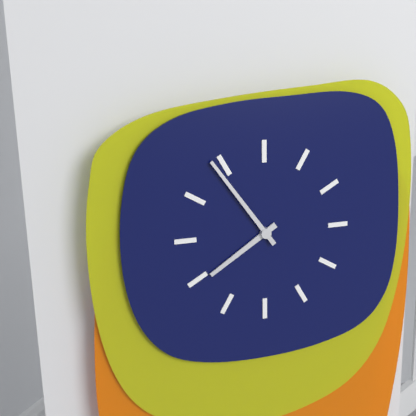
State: h=7 m=54
